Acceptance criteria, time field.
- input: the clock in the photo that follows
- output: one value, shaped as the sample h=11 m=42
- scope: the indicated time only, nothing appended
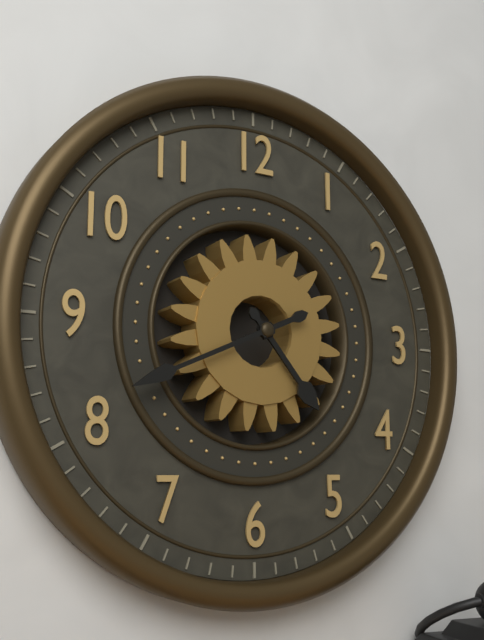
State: h=4 m=41
